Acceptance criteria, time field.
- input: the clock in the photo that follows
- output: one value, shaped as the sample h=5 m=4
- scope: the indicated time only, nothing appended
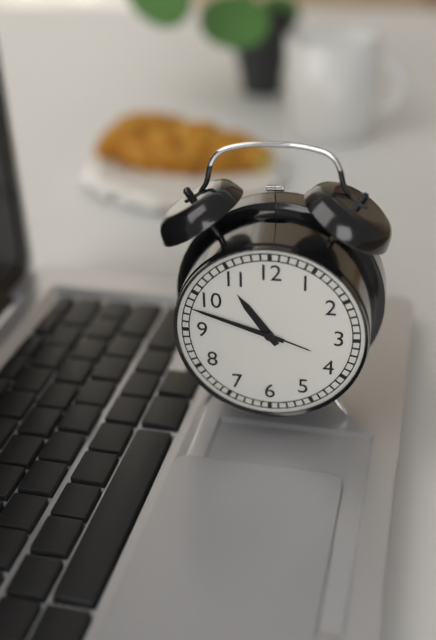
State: h=10 m=48
